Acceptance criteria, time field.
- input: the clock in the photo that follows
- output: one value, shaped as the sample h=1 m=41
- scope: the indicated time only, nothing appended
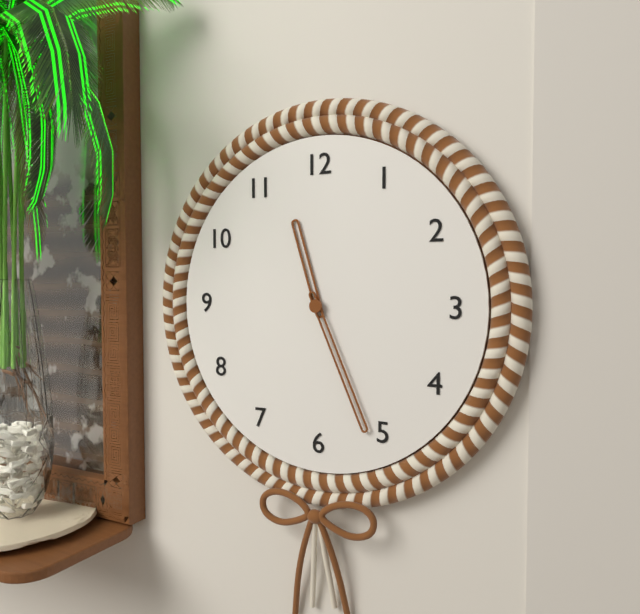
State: h=11 m=26
